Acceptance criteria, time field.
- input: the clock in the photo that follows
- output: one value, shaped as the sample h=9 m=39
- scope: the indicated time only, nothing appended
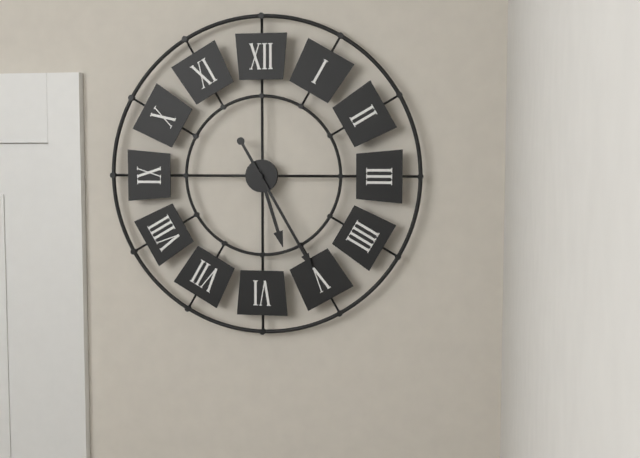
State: h=5 m=25
